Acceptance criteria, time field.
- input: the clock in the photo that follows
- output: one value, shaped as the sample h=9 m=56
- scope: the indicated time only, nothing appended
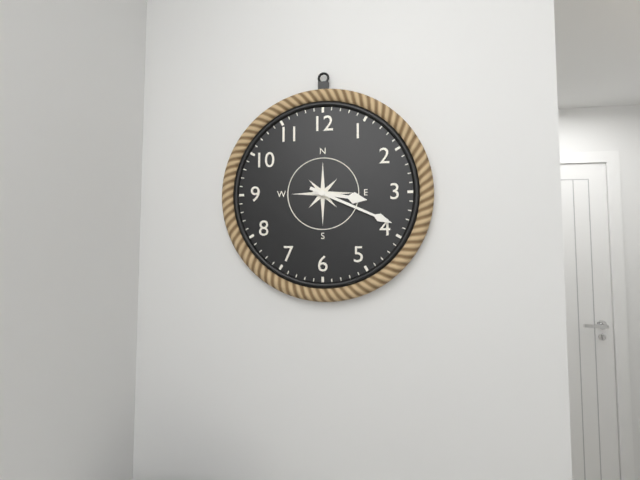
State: h=3 m=19
